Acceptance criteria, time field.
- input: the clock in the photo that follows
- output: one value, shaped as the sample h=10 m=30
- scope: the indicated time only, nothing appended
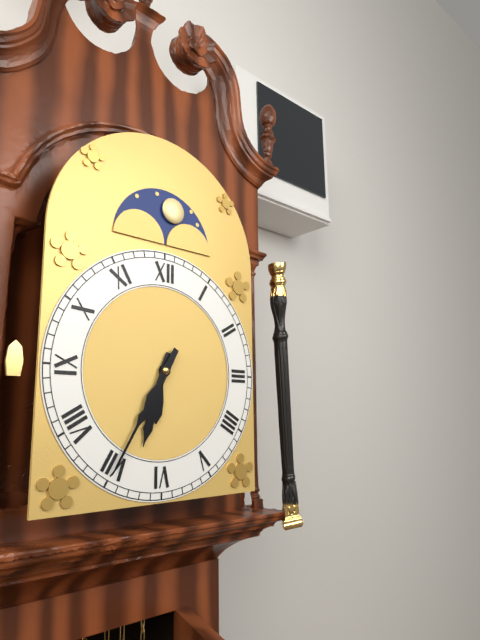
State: h=6 m=35
